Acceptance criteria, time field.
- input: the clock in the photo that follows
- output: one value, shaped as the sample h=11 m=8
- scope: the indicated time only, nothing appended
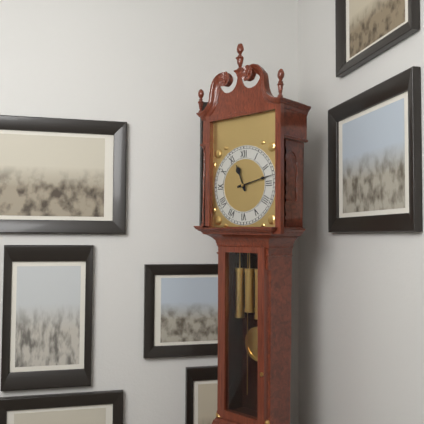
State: h=11 m=13
